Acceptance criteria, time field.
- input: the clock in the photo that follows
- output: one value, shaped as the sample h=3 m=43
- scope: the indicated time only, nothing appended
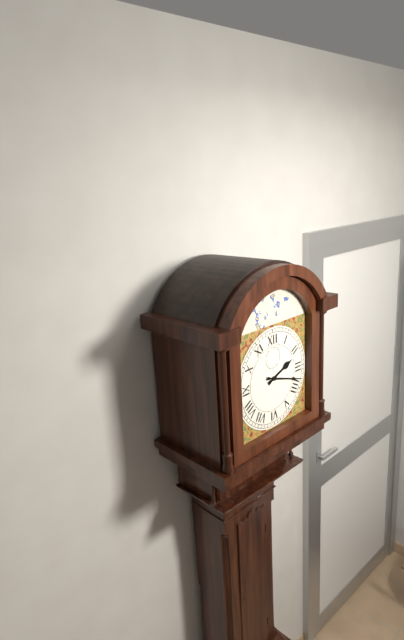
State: h=2 m=18
